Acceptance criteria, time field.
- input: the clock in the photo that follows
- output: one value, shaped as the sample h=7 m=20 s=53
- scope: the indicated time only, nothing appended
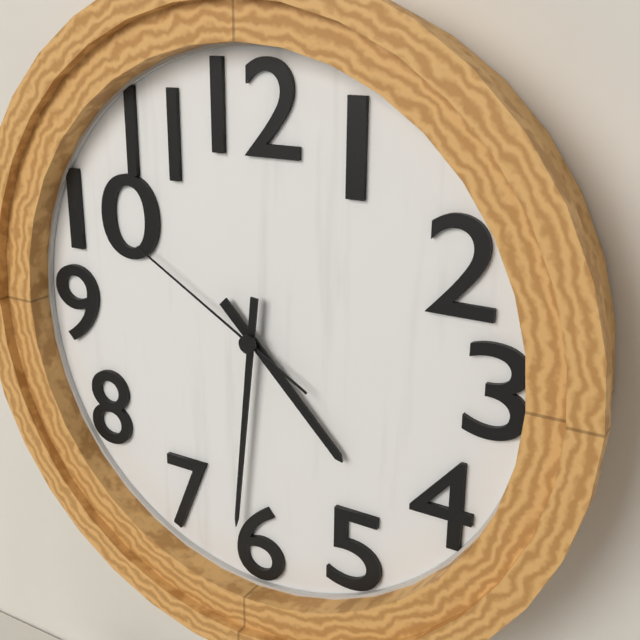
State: h=4 m=31 s=50
